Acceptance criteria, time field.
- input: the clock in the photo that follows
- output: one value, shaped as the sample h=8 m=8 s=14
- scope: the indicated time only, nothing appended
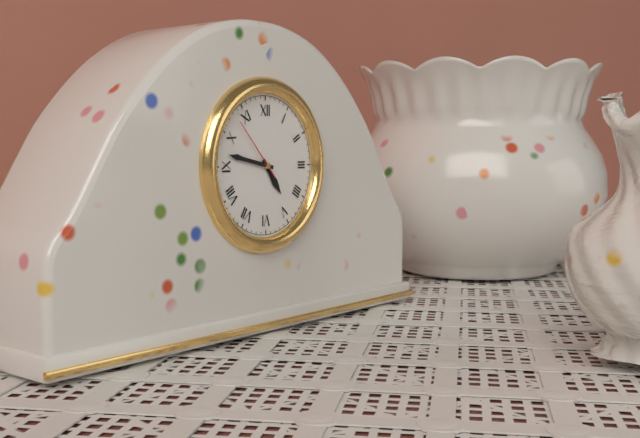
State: h=4 m=47 s=53
